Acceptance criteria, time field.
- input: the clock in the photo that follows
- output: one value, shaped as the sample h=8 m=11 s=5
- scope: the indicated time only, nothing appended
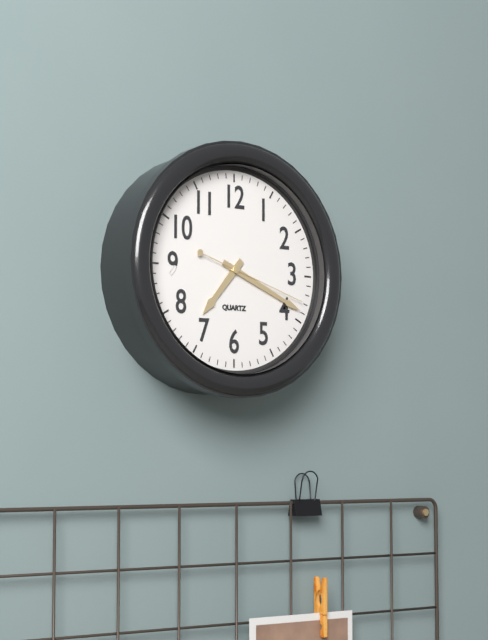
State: h=7 m=19 s=18
